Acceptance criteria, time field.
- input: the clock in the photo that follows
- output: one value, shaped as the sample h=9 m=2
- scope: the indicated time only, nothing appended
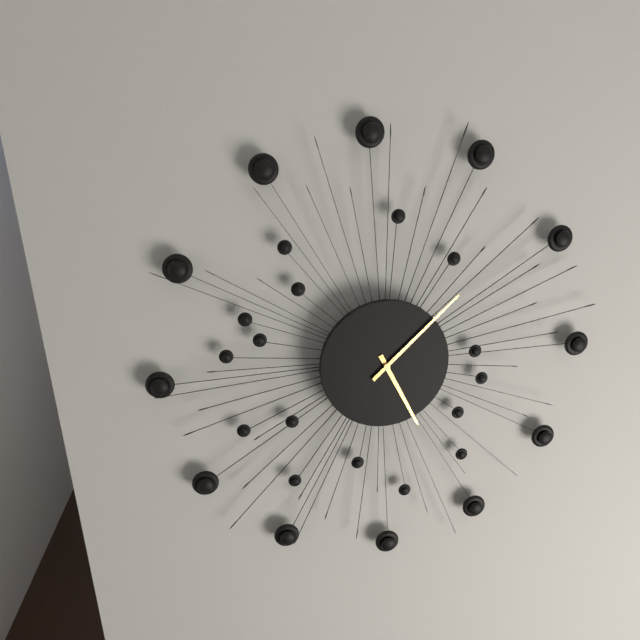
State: h=5 m=8
